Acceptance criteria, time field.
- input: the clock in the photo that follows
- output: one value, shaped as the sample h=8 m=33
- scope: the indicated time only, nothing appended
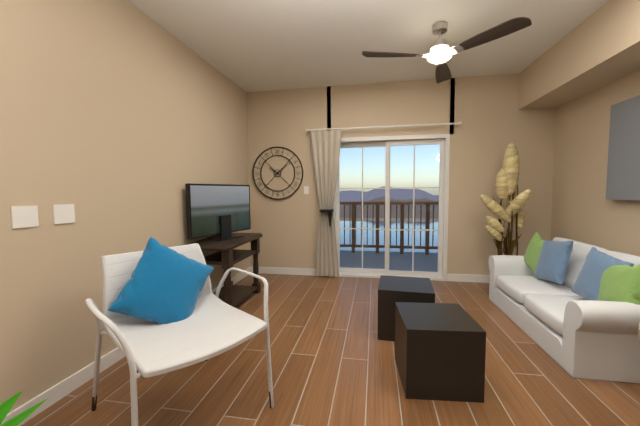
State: h=10 m=9
